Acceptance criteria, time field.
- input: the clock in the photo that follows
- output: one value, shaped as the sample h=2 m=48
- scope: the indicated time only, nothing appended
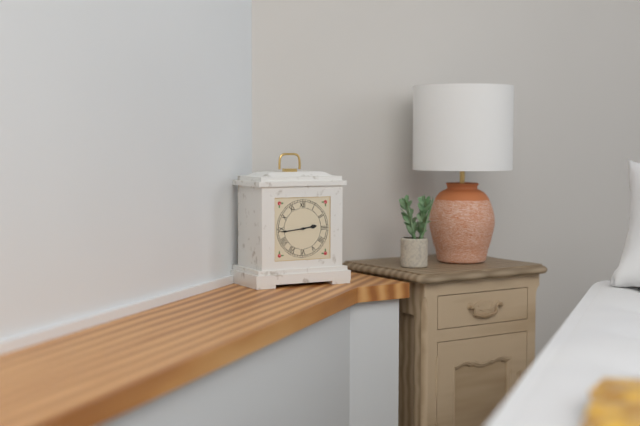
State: h=2 m=44
